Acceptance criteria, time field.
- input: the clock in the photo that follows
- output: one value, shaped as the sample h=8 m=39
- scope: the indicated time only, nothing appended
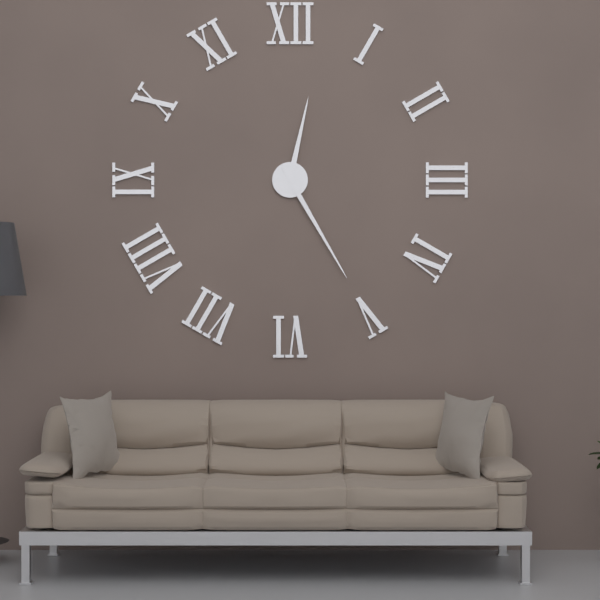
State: h=12 m=25
